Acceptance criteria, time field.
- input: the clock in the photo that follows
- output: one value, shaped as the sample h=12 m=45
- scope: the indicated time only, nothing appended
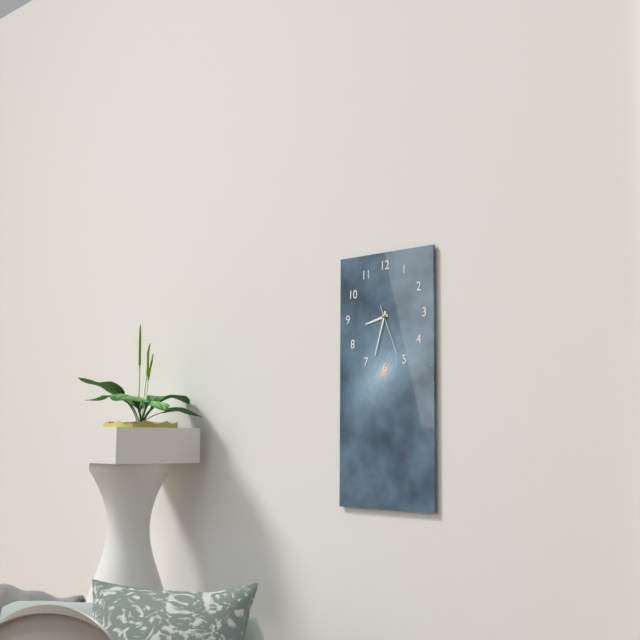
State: h=8 m=33
